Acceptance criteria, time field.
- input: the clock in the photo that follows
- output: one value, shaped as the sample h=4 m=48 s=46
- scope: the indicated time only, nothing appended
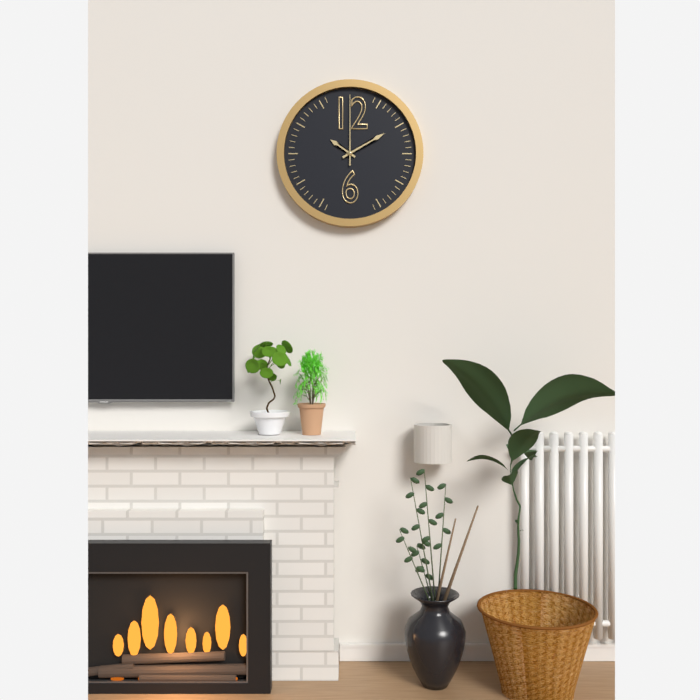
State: h=10 m=10 s=0
